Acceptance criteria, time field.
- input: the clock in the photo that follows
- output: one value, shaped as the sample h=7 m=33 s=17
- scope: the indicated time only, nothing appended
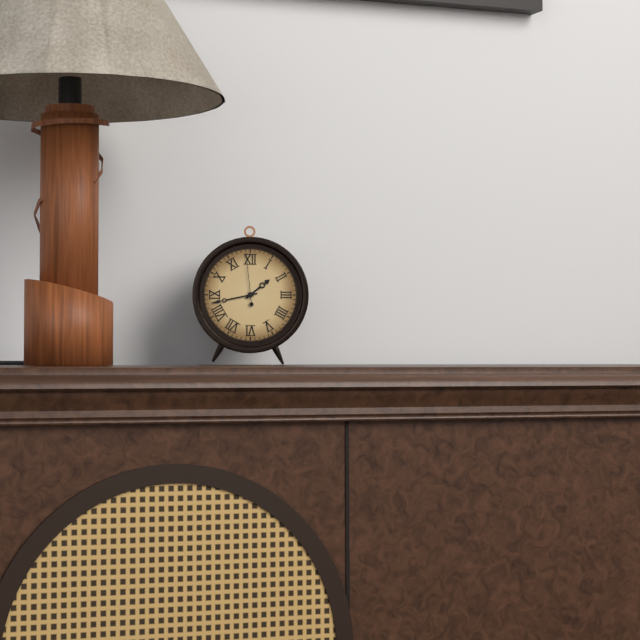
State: h=1 m=43 s=59
